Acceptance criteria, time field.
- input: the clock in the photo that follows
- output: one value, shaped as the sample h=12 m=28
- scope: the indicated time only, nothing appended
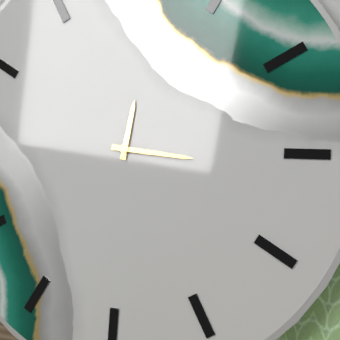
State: h=12 m=16
